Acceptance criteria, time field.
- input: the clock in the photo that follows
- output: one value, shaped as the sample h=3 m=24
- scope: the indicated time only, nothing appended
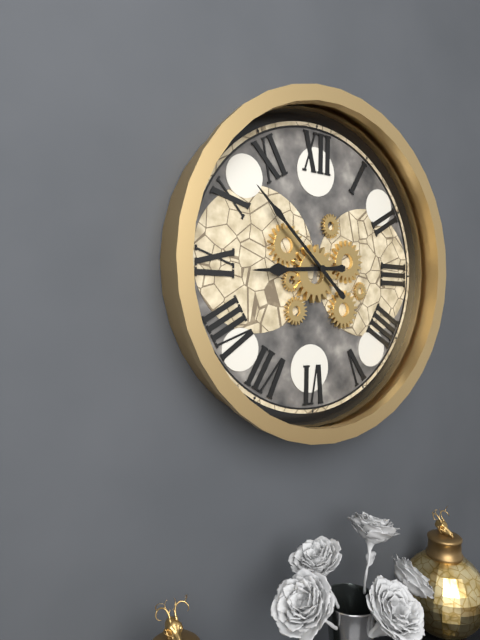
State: h=8 m=52
